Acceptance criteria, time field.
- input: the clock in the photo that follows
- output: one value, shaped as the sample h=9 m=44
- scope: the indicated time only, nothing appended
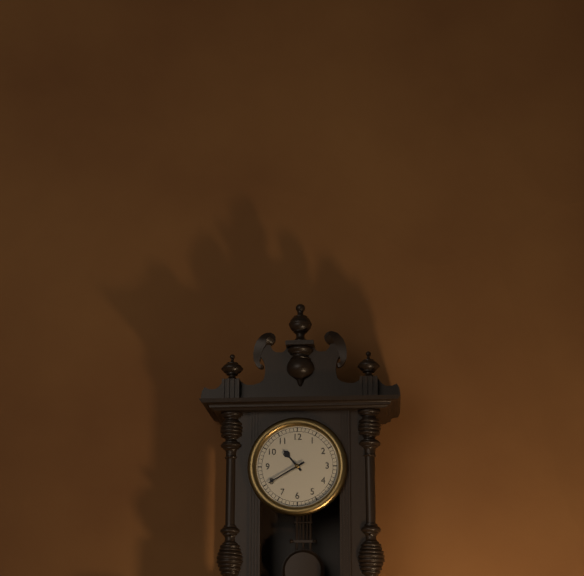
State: h=10 m=40
